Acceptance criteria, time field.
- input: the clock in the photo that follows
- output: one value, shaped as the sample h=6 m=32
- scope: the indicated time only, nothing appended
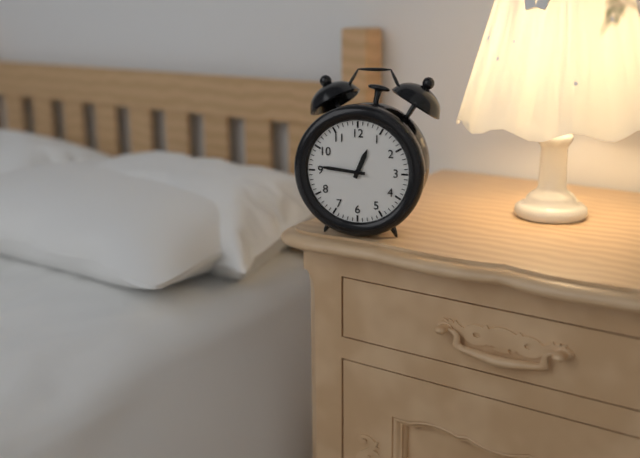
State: h=12 m=46
